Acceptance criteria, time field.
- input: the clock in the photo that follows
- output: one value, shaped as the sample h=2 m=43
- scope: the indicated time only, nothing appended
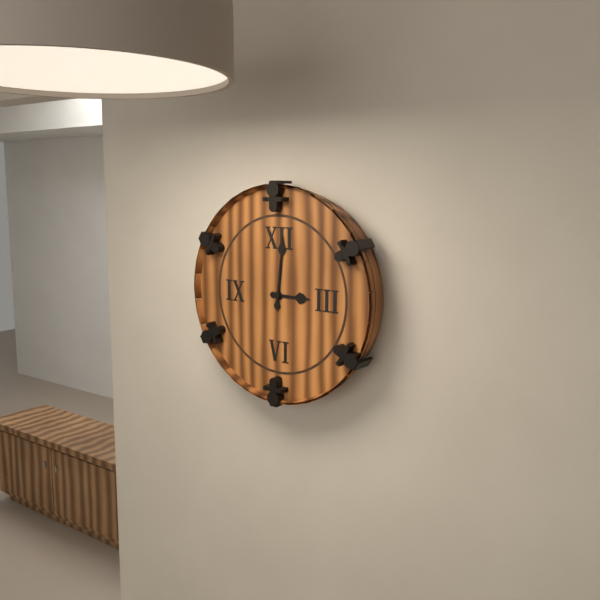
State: h=3 m=1
